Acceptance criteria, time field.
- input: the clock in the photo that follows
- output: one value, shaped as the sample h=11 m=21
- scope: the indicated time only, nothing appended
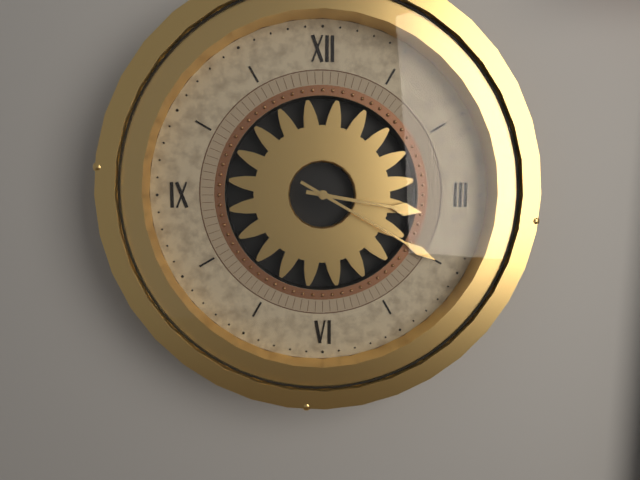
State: h=3 m=20
